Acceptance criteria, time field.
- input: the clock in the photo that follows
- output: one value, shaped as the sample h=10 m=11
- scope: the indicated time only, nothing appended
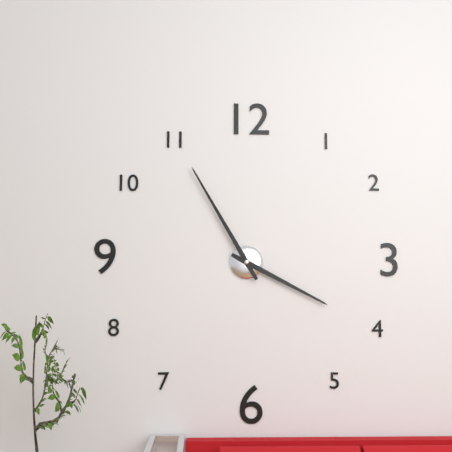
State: h=3 m=55
